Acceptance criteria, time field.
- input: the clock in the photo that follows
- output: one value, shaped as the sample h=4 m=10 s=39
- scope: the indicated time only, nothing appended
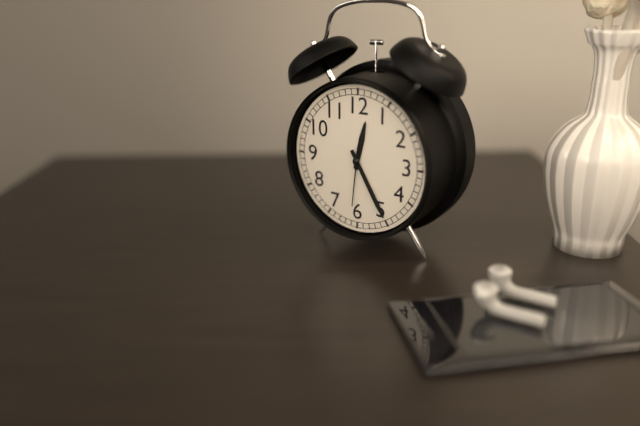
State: h=12 m=25 s=31
